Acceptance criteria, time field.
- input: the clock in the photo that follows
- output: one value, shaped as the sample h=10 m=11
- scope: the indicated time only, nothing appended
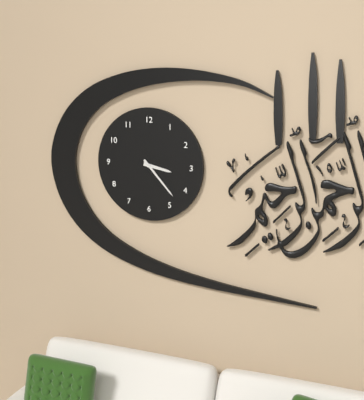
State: h=3 m=23
